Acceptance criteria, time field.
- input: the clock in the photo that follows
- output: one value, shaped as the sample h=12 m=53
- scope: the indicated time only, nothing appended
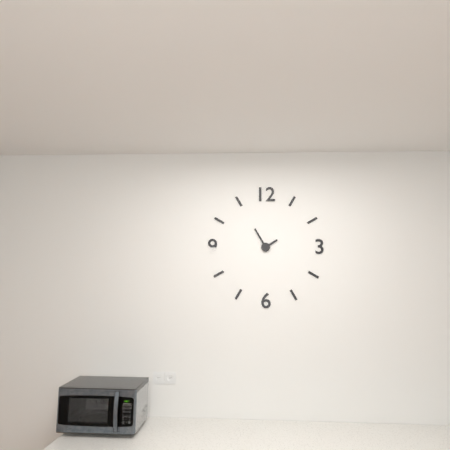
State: h=1 m=55
